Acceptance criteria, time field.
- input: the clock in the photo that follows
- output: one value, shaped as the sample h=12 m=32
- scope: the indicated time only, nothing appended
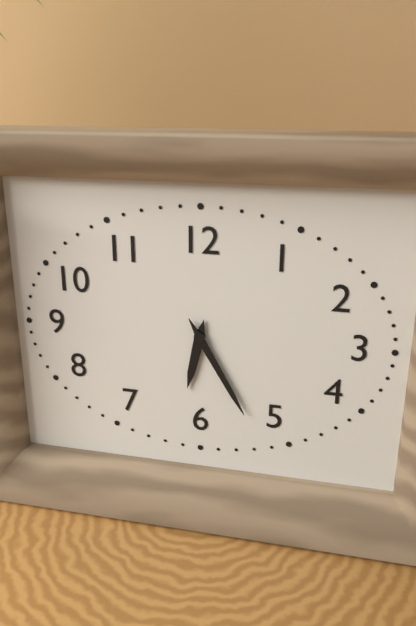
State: h=6 m=25
